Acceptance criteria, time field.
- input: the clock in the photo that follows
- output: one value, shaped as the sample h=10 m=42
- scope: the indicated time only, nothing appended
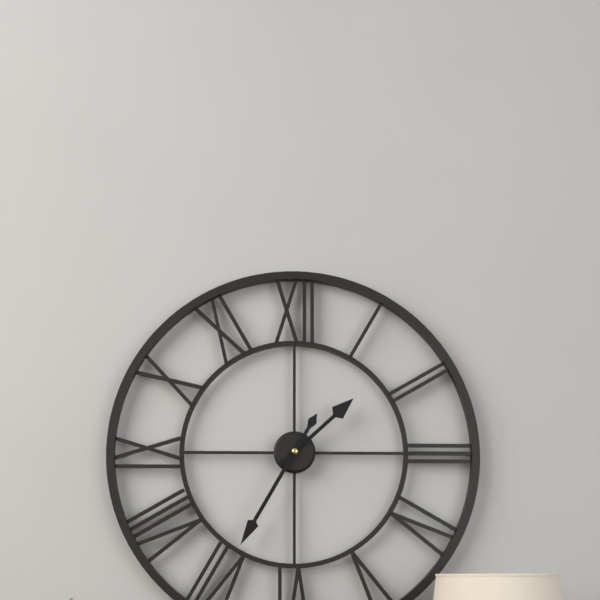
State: h=1 m=35
